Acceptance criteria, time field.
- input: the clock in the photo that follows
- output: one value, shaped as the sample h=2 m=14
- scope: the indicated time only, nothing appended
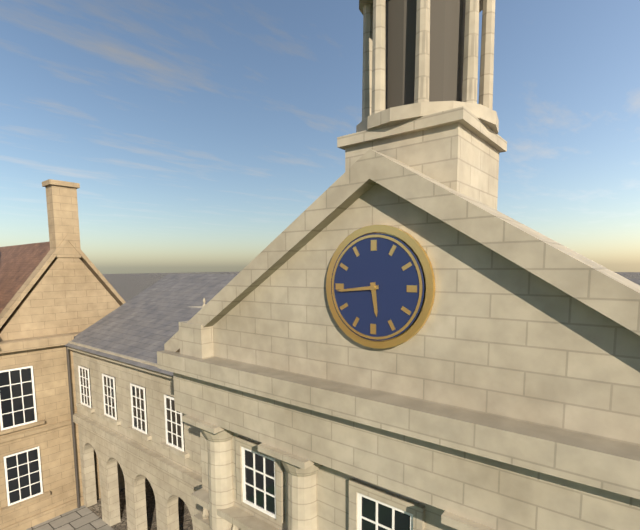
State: h=5 m=44
